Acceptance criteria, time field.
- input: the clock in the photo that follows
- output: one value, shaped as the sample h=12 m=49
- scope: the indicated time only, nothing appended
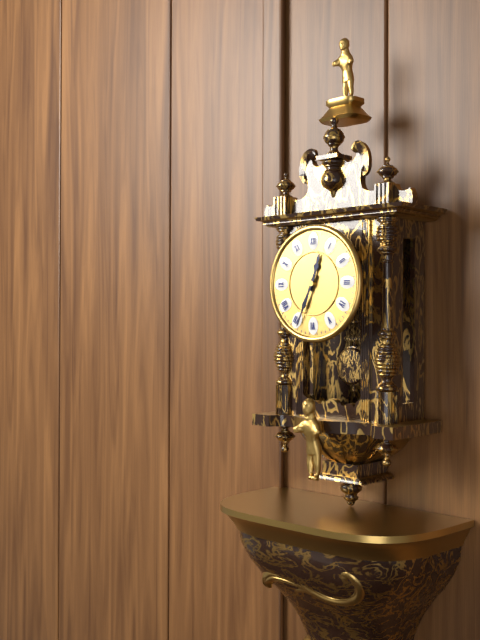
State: h=12 m=34
